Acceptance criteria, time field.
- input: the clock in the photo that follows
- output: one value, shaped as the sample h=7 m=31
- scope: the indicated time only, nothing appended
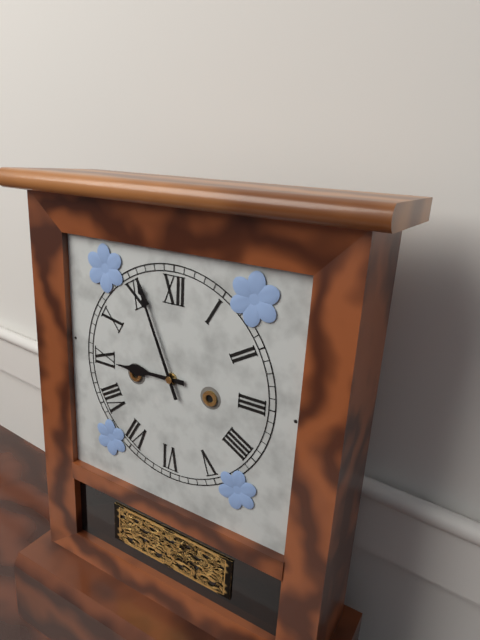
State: h=8 m=56
